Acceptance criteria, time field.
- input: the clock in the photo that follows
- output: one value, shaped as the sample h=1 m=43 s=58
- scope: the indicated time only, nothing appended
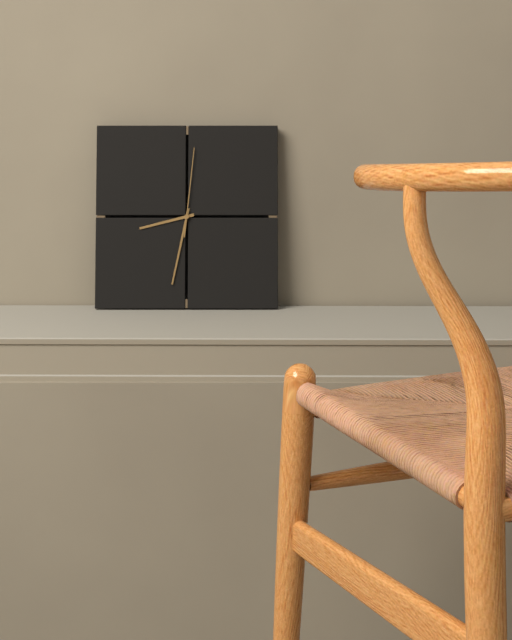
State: h=8 m=32 s=1
